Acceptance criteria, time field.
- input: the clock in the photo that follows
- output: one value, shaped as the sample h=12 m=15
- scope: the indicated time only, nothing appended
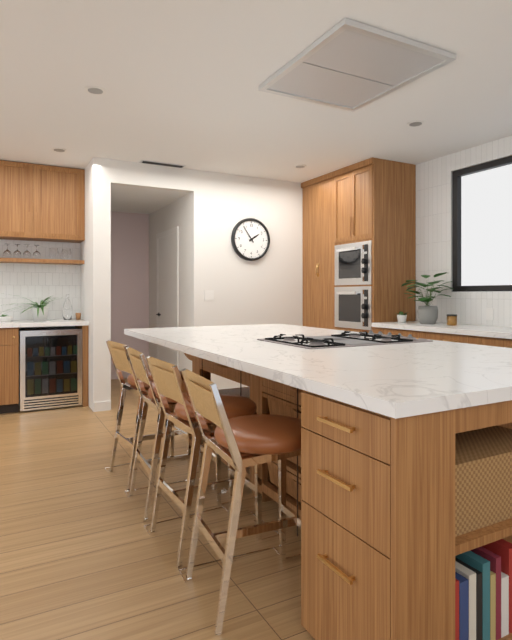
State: h=1 m=54
